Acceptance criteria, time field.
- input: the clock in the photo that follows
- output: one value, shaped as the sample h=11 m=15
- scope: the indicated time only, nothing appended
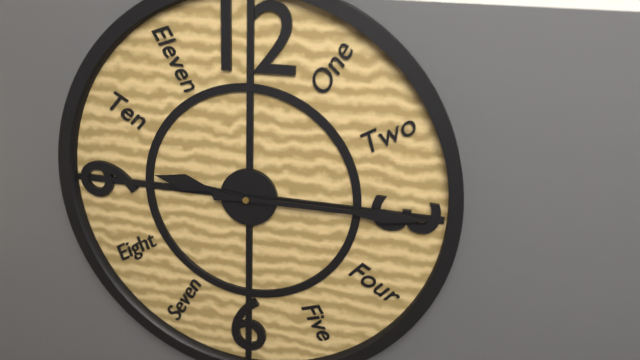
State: h=9 m=15
